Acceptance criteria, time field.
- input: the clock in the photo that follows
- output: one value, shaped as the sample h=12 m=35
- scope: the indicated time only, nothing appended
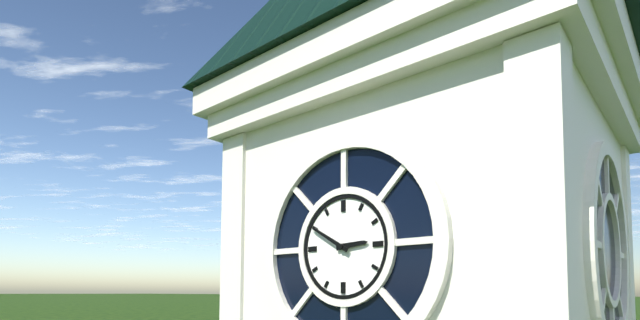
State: h=2 m=50
